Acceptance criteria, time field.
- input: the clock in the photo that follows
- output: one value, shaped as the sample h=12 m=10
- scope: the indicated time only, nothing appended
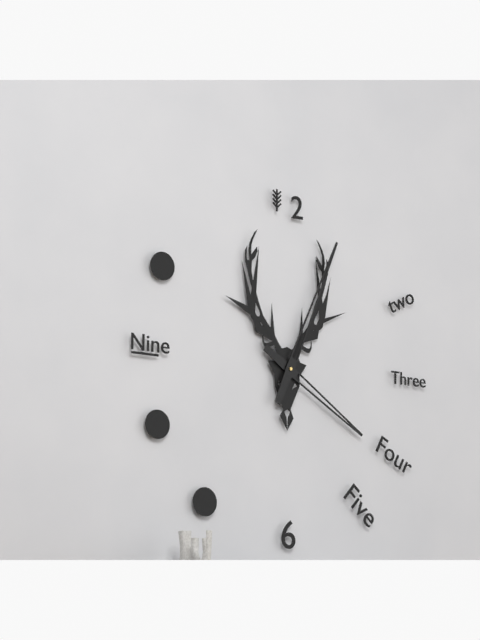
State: h=4 m=4
